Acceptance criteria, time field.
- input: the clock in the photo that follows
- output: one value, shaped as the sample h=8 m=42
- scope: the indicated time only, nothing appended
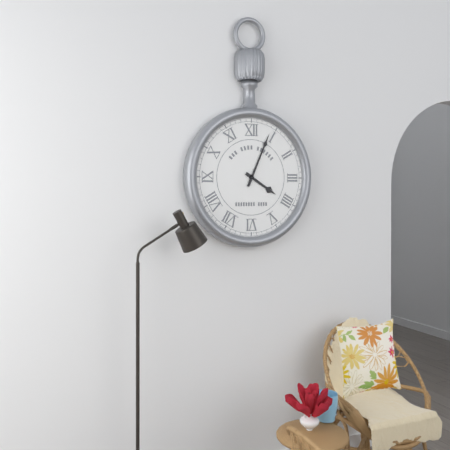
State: h=4 m=4
